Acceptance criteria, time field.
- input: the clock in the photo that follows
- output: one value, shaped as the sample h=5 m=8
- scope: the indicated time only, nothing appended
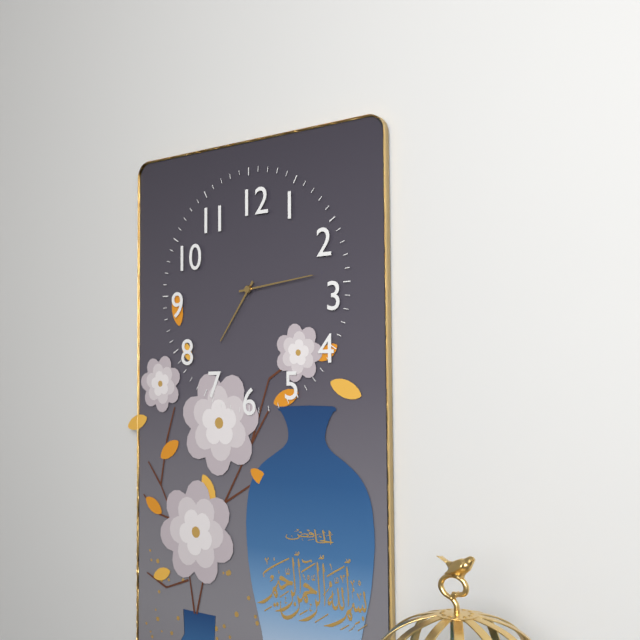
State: h=7 m=14
